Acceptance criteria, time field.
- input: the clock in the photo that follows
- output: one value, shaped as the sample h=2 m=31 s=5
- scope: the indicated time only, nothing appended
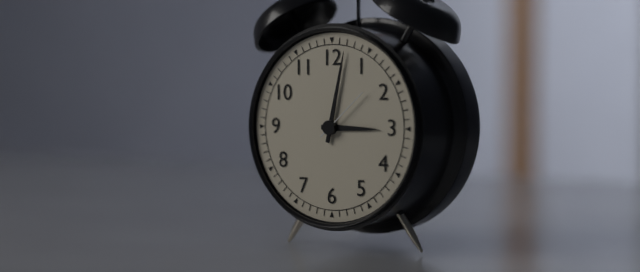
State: h=3 m=2 s=8
